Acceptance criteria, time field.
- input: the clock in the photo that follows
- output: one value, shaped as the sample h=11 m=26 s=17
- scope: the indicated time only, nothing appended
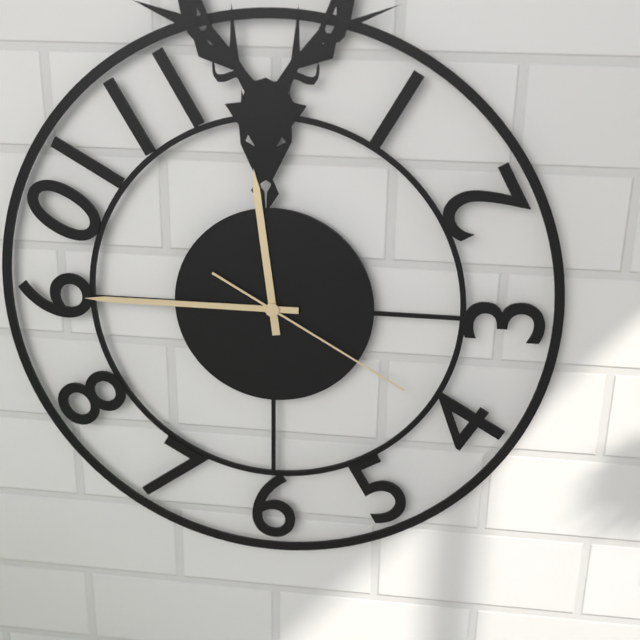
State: h=11 m=45 s=20
